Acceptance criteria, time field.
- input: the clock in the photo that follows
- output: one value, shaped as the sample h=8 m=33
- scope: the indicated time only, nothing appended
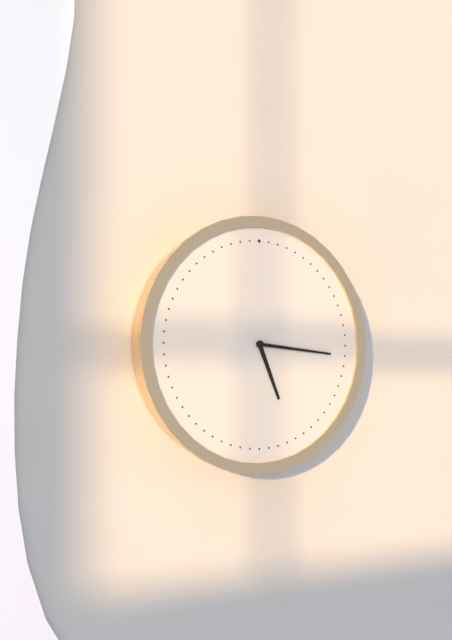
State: h=5 m=16
